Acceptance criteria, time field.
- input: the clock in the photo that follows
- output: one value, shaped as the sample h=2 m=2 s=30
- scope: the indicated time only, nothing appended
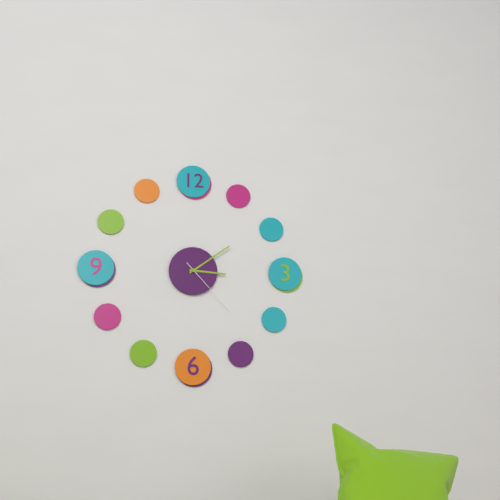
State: h=3 m=9 s=23
